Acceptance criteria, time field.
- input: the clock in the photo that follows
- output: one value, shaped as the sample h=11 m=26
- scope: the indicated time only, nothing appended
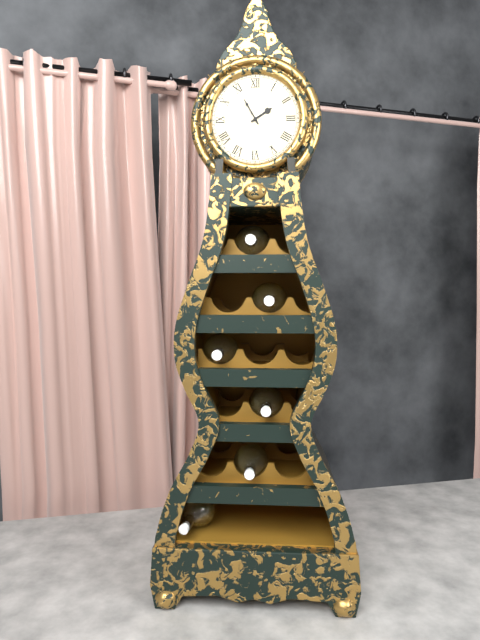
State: h=1 m=55
